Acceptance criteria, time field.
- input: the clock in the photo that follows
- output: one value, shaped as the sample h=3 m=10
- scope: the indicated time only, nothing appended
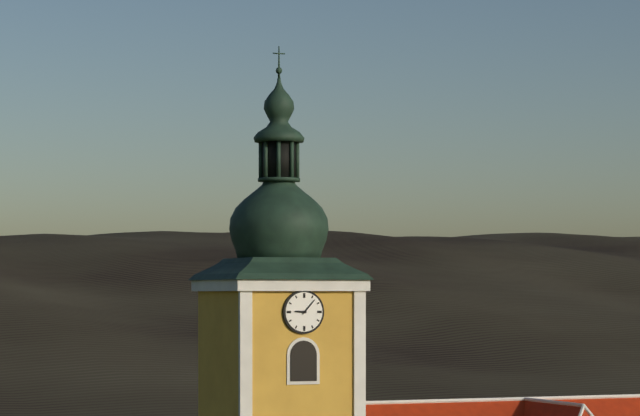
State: h=9 m=7
